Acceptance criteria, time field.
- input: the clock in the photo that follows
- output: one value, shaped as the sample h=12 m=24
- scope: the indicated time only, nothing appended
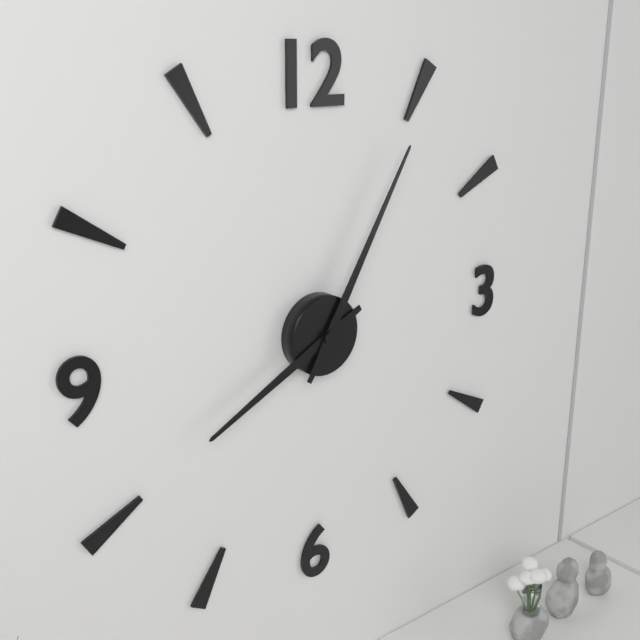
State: h=8 m=5
